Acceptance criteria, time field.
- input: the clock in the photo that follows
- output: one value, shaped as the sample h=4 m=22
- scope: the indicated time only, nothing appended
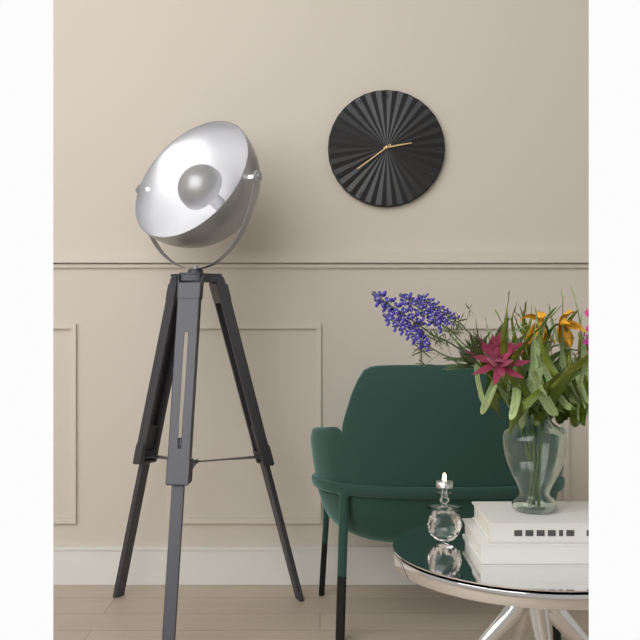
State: h=2 m=39
